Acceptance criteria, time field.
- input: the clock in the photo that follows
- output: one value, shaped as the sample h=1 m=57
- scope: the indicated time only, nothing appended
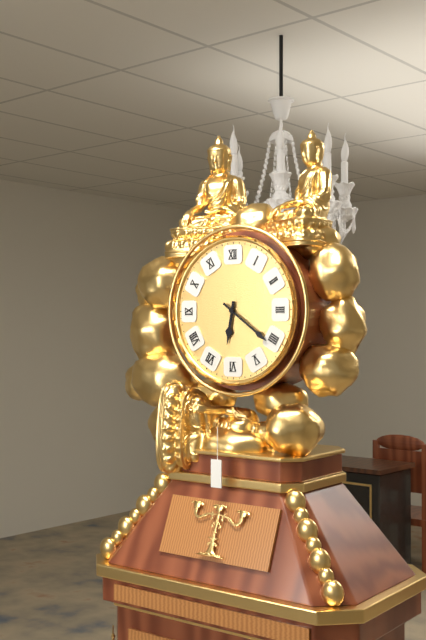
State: h=6 m=21
